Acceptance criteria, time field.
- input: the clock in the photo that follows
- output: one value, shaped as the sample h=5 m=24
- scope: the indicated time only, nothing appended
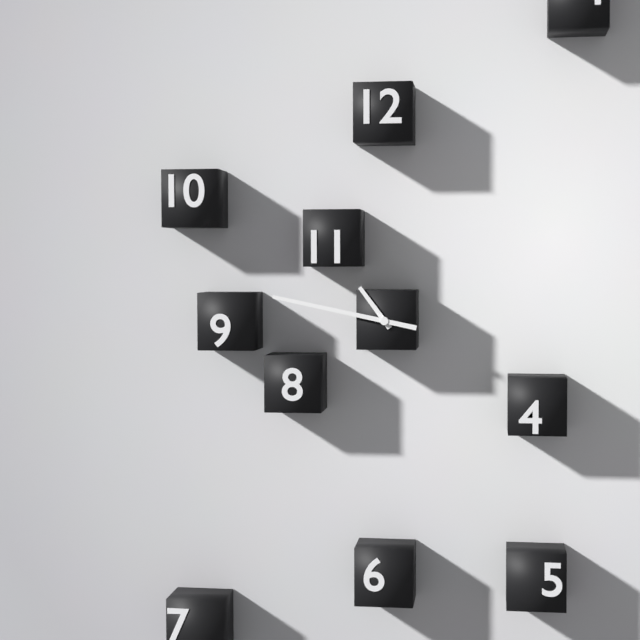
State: h=10 m=47
